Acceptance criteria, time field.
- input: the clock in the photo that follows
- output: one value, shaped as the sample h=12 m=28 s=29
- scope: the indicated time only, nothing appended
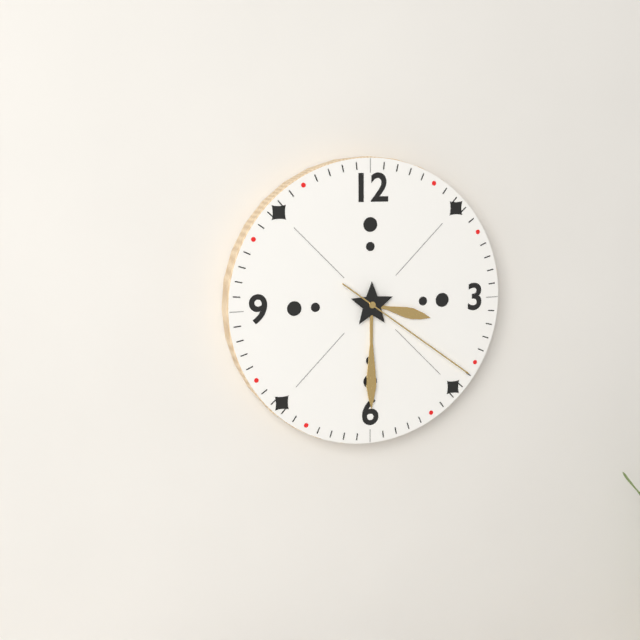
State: h=3 m=30 s=21
